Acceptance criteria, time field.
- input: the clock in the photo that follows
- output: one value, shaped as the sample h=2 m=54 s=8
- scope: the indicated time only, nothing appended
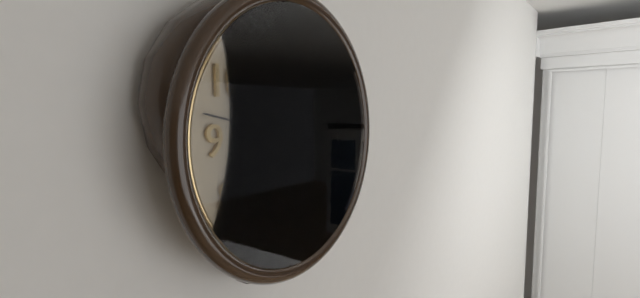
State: h=6 m=10 s=47
